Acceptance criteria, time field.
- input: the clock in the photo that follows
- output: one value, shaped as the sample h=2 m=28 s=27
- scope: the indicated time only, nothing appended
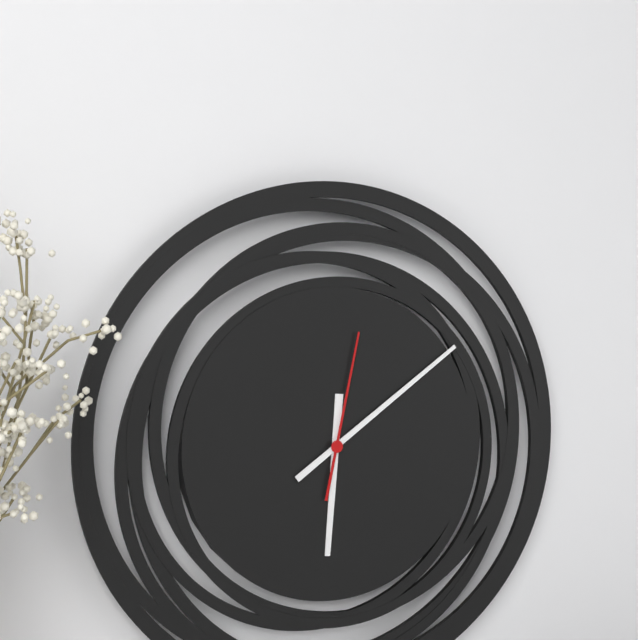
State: h=6 m=9 s=2
